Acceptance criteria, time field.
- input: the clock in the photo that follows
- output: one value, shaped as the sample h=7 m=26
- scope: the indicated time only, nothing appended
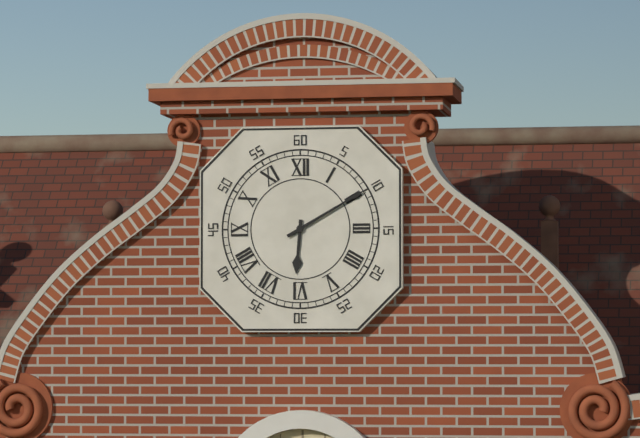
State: h=6 m=10
